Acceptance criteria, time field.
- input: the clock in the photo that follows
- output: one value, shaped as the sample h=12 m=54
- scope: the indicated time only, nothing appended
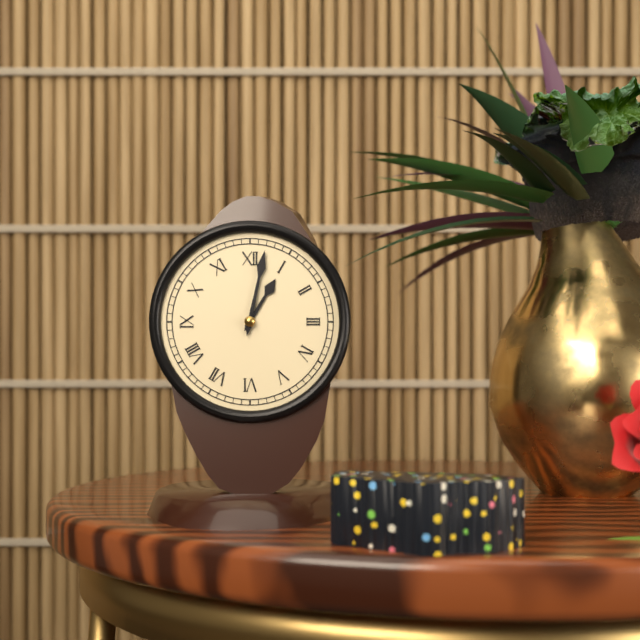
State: h=1 m=2
